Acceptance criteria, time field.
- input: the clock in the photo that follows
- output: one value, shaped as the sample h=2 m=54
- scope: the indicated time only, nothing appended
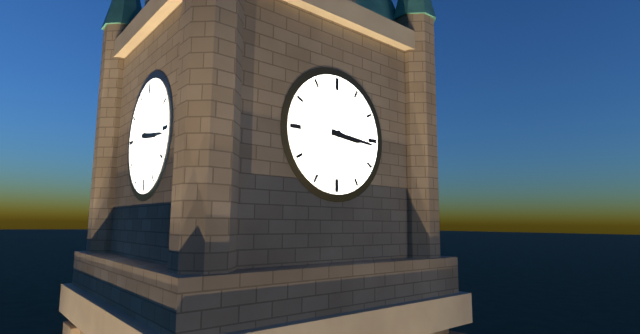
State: h=3 m=16
